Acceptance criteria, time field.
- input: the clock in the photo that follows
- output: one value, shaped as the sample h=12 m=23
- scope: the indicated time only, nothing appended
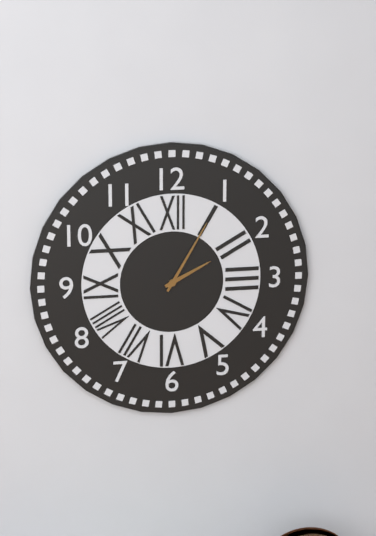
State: h=2 m=5
